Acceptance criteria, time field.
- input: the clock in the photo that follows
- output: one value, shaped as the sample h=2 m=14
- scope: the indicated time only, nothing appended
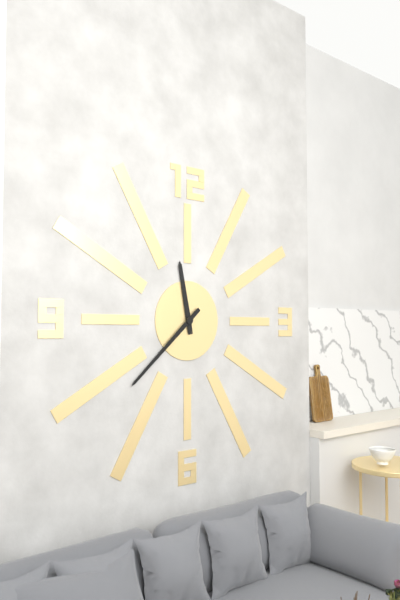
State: h=11 m=38
